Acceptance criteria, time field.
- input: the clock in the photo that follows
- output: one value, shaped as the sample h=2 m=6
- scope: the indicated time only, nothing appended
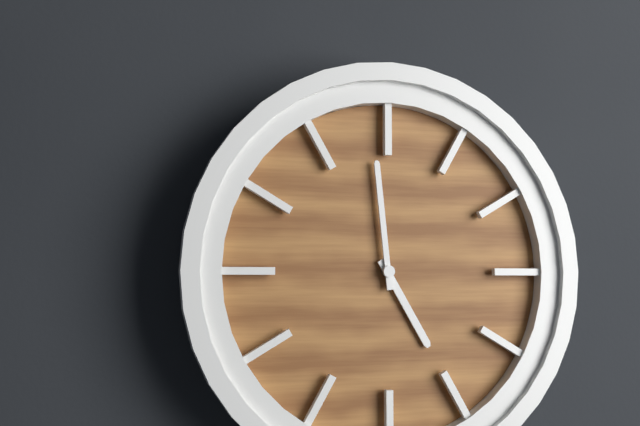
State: h=4 m=59
